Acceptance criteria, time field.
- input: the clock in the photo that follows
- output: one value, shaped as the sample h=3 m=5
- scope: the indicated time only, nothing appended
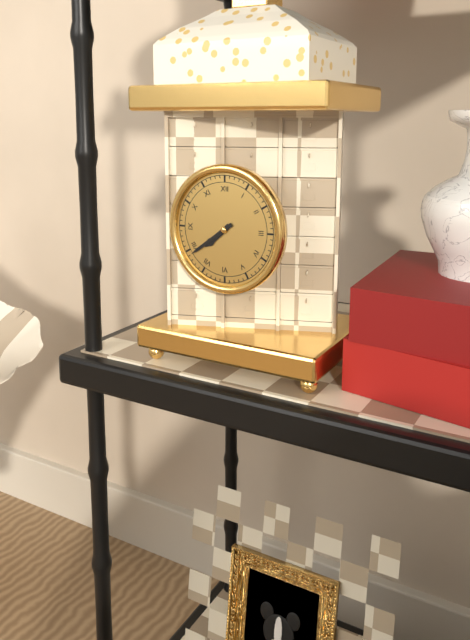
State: h=7 m=39
